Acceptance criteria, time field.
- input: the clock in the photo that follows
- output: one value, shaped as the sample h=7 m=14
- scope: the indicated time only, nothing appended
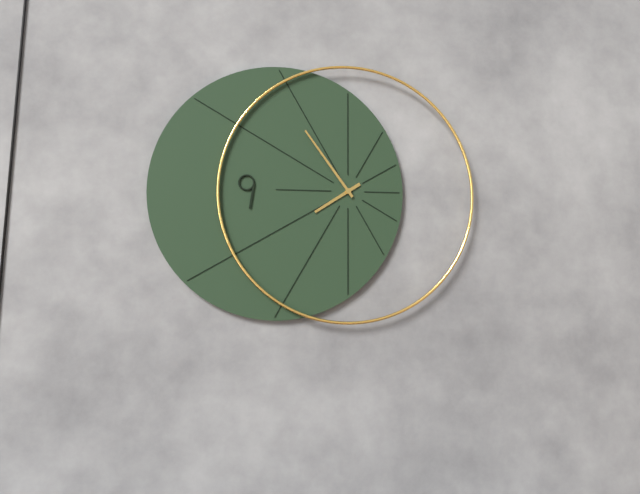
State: h=7 m=54
